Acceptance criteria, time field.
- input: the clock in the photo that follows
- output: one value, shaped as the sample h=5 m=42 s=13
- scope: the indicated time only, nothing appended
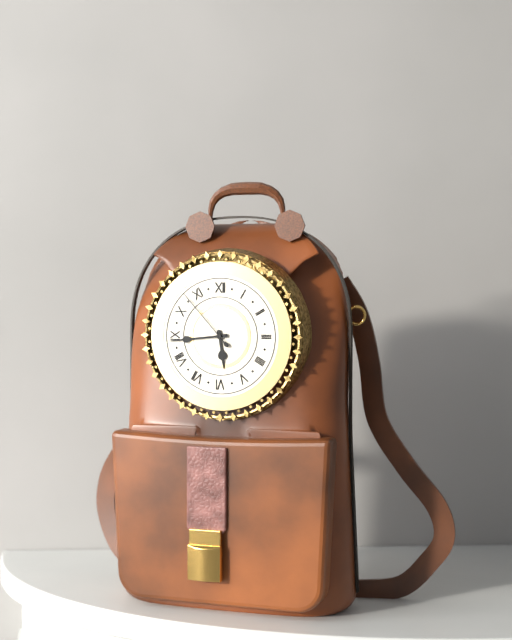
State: h=5 m=44 s=53
